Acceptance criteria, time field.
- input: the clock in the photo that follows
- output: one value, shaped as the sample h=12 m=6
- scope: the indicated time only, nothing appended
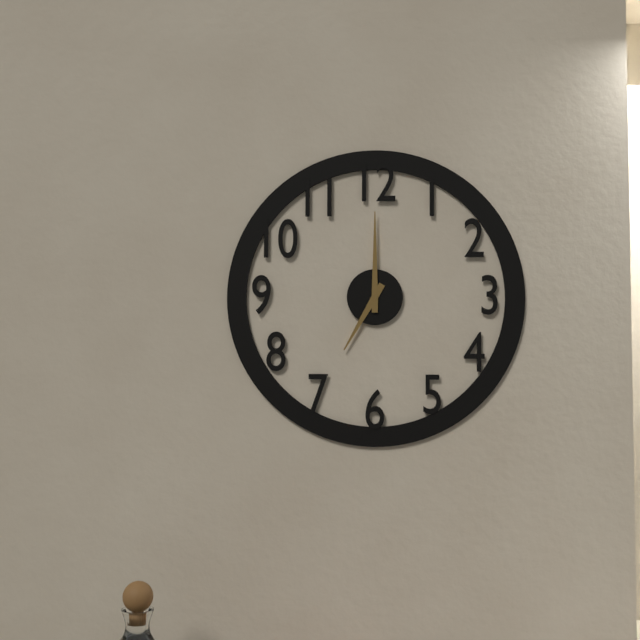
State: h=7 m=0
